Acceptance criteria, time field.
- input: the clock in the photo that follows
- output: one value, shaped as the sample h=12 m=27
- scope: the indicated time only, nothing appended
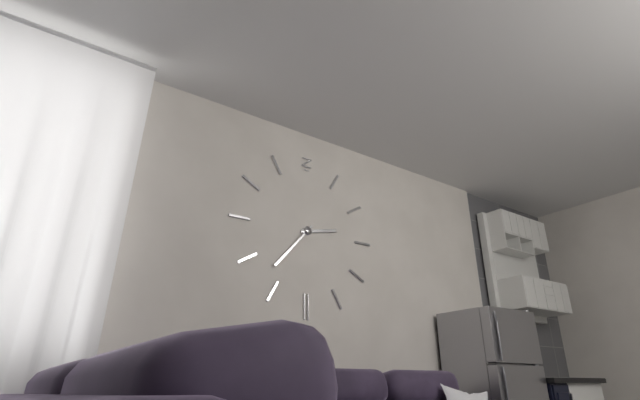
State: h=2 m=37
